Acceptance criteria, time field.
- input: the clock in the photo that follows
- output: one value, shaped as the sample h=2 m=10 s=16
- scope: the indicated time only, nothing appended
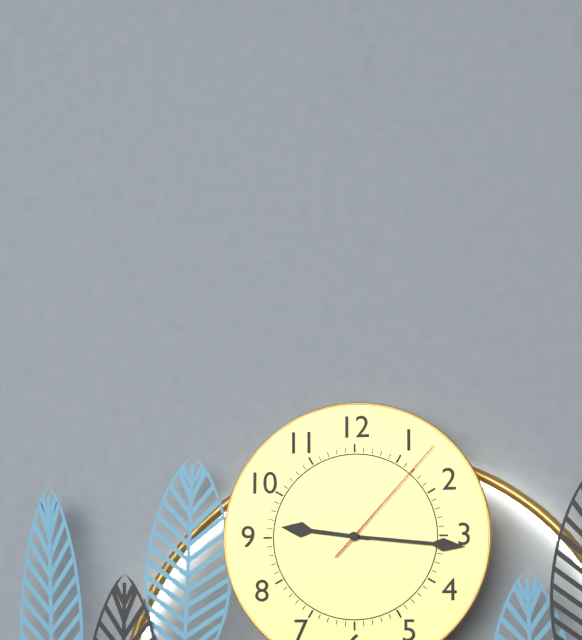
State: h=9 m=16 s=7
